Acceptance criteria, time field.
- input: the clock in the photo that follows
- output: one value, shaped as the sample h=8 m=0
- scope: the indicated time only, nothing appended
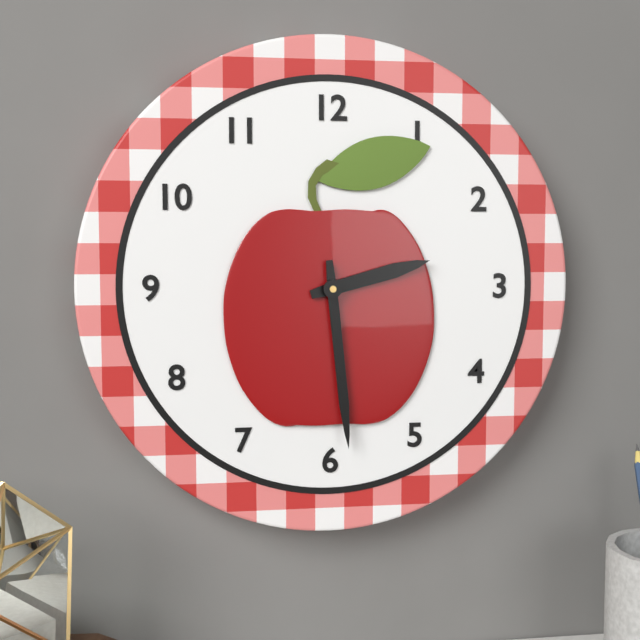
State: h=2 m=29
